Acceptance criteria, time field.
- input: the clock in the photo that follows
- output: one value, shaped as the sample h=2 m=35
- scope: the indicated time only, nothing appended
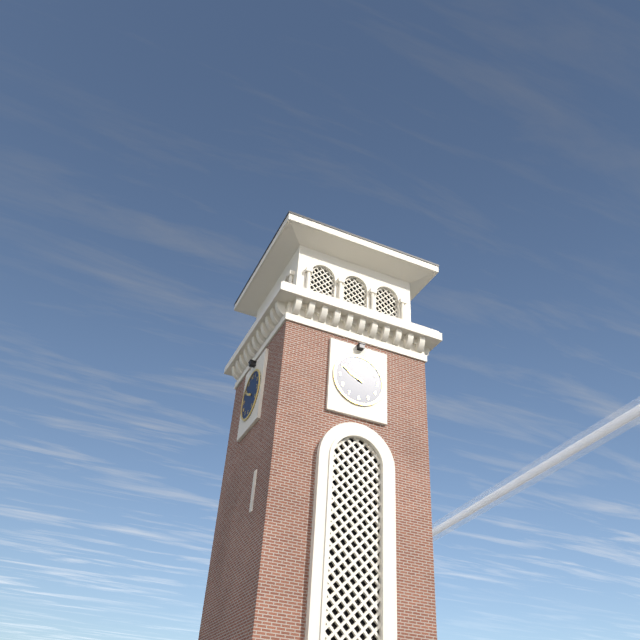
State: h=9 m=50
